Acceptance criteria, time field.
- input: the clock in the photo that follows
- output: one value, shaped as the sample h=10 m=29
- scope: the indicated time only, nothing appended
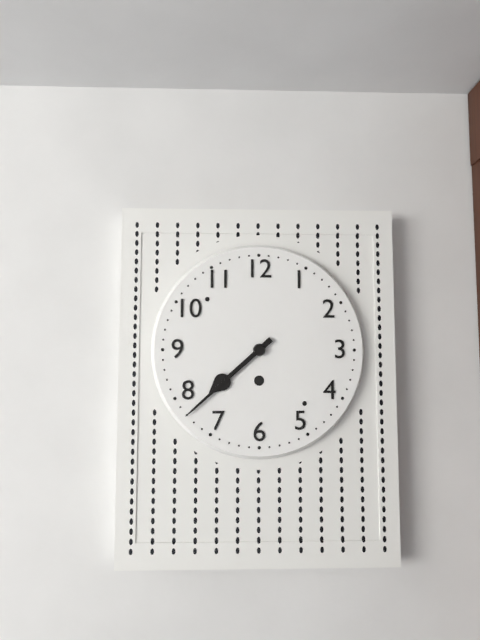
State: h=7 m=38
